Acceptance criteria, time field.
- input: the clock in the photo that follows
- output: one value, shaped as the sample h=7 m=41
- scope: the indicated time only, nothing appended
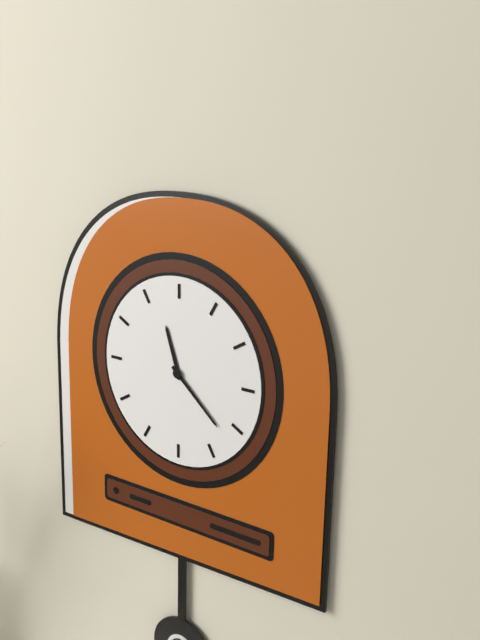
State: h=11 m=22
